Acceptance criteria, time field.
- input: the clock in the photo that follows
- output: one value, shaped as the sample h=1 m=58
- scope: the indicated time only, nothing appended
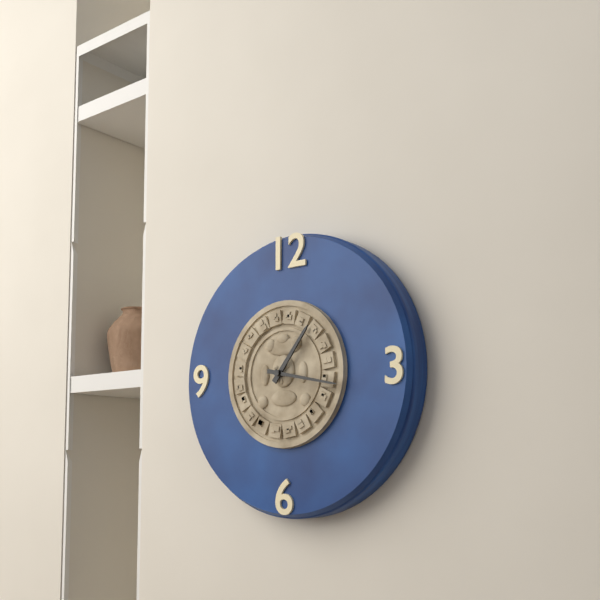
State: h=1 m=17
